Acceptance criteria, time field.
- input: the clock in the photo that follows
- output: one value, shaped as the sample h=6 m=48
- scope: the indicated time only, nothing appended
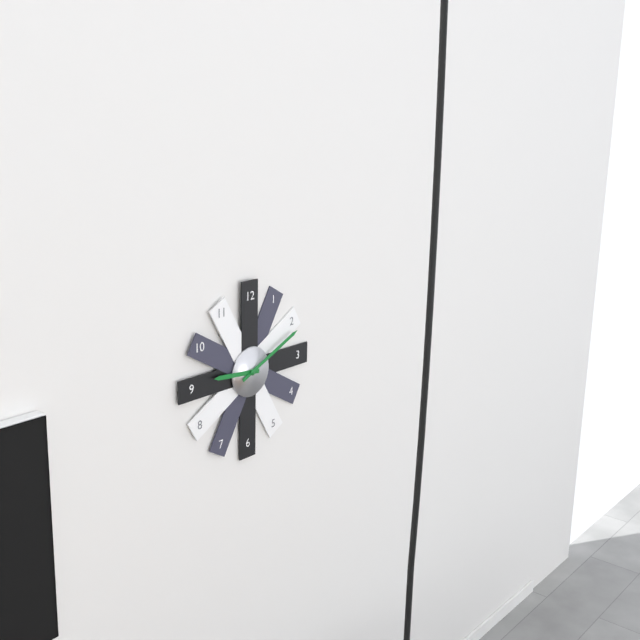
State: h=9 m=11
